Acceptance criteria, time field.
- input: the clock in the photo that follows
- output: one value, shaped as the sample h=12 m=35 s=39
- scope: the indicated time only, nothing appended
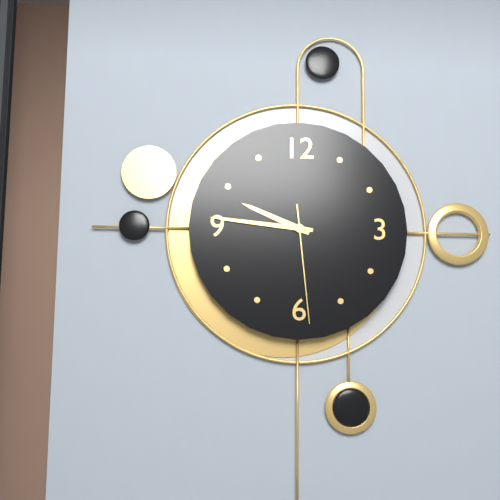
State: h=9 m=46 s=29
